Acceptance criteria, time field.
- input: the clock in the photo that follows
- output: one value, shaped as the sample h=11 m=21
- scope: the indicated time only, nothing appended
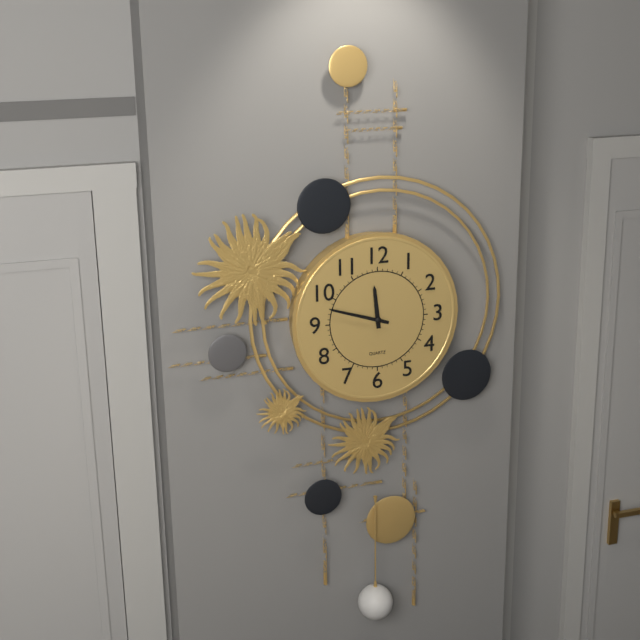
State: h=11 m=48
